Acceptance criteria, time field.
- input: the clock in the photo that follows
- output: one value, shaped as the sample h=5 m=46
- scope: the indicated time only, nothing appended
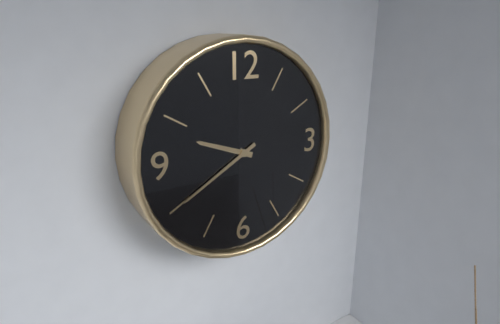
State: h=9 m=40
